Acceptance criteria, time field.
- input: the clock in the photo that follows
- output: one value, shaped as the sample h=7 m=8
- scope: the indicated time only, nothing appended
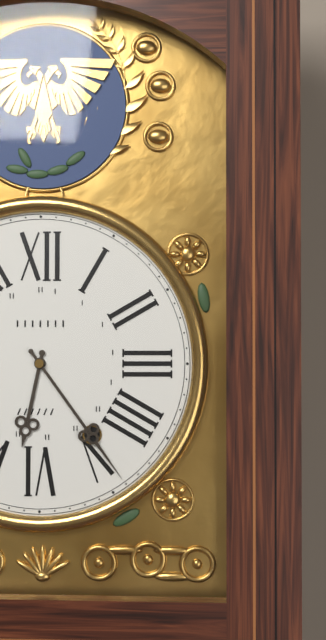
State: h=6 m=24
